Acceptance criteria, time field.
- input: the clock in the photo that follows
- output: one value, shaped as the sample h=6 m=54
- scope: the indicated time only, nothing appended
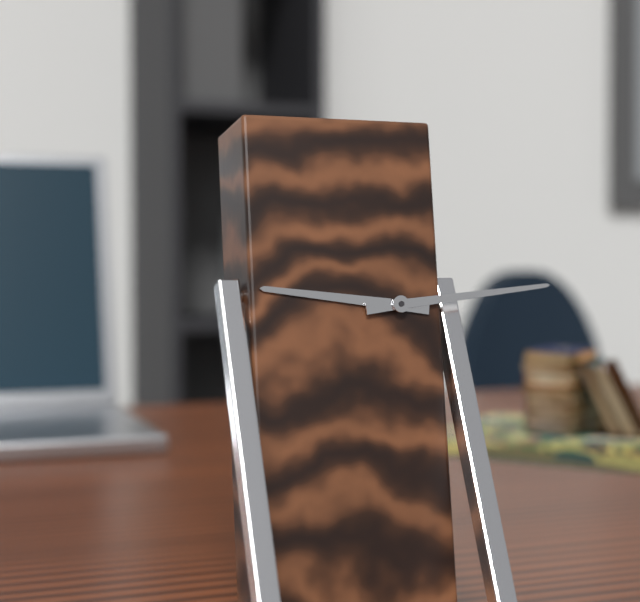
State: h=9 m=14
